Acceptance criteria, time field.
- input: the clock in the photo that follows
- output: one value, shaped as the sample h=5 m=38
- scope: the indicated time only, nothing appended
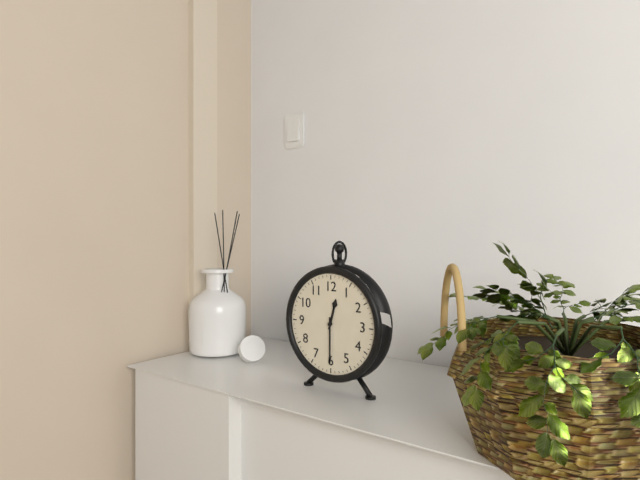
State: h=12 m=30
